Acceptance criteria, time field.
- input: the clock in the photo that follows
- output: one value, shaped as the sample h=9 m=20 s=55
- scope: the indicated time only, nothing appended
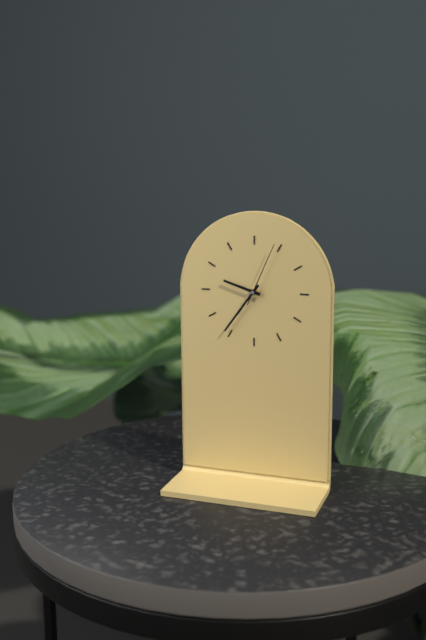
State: h=9 m=36 s=4
